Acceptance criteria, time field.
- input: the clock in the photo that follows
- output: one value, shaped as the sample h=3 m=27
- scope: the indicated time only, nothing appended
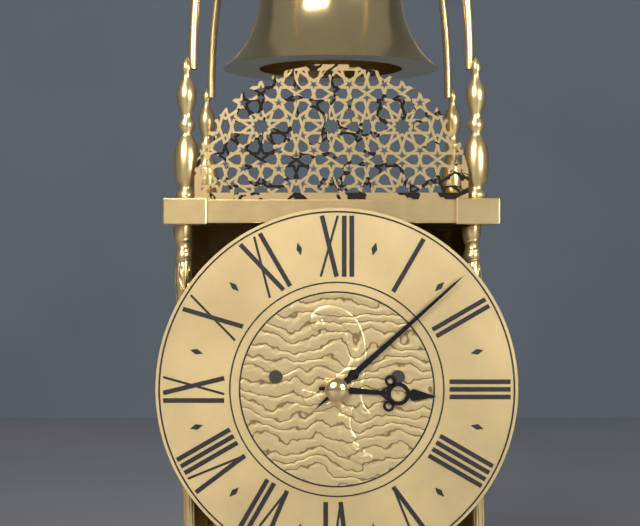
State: h=3 m=8
